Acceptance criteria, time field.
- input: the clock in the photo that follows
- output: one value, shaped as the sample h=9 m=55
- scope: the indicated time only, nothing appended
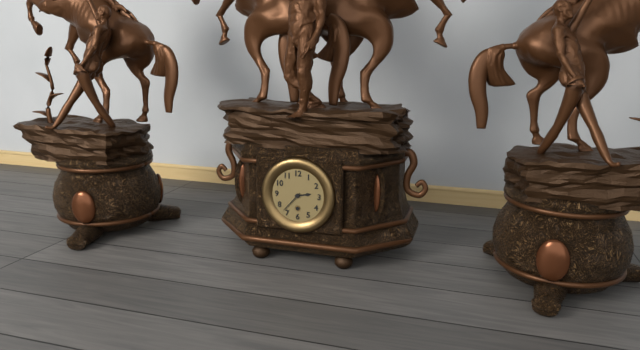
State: h=2 m=37
